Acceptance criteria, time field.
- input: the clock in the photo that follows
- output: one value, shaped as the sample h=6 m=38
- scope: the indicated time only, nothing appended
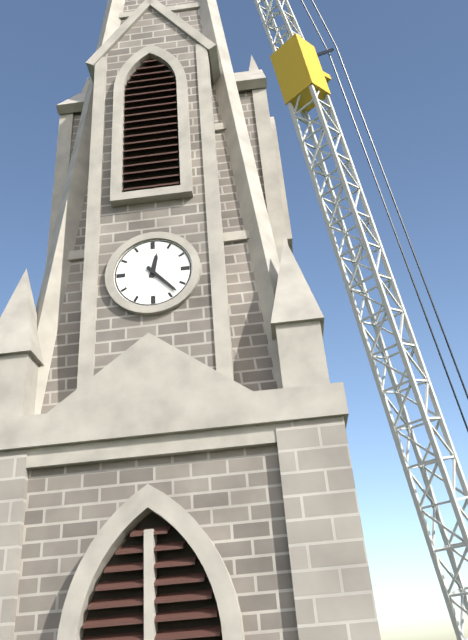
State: h=12 m=23
